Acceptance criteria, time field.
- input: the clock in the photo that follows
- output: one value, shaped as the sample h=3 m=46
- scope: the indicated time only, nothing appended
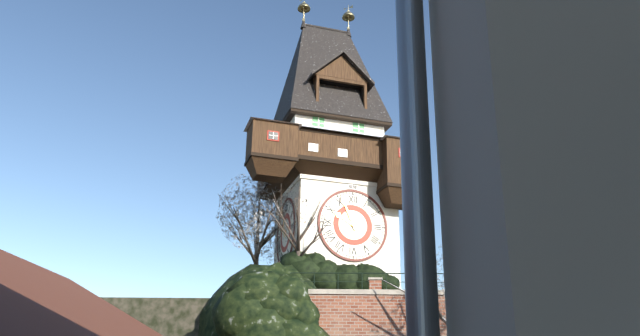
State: h=9 m=56
